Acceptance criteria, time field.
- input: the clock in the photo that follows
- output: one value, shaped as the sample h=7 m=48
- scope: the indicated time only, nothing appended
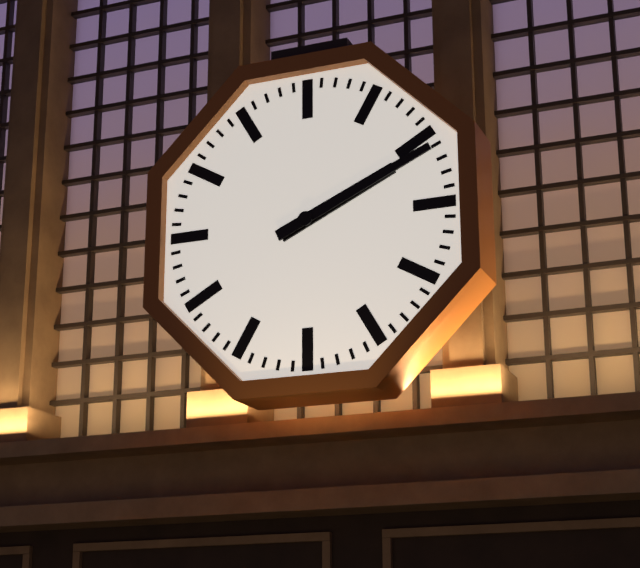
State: h=2 m=11
